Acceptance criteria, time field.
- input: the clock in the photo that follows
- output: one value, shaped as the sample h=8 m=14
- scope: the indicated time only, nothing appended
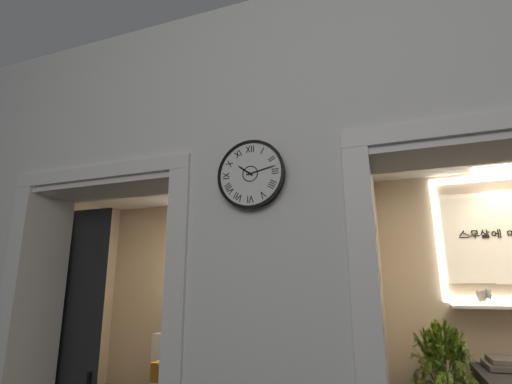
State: h=10 m=13
